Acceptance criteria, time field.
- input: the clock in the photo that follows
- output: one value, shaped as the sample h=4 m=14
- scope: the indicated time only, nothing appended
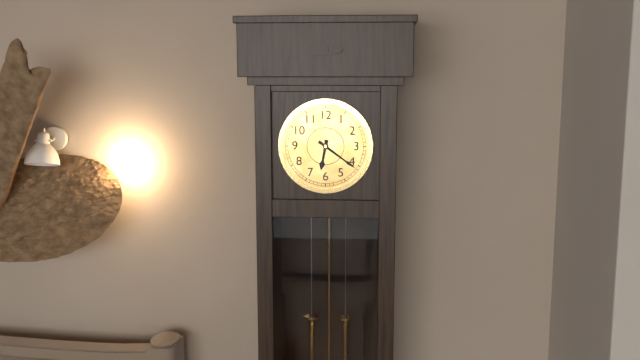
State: h=6 m=21
